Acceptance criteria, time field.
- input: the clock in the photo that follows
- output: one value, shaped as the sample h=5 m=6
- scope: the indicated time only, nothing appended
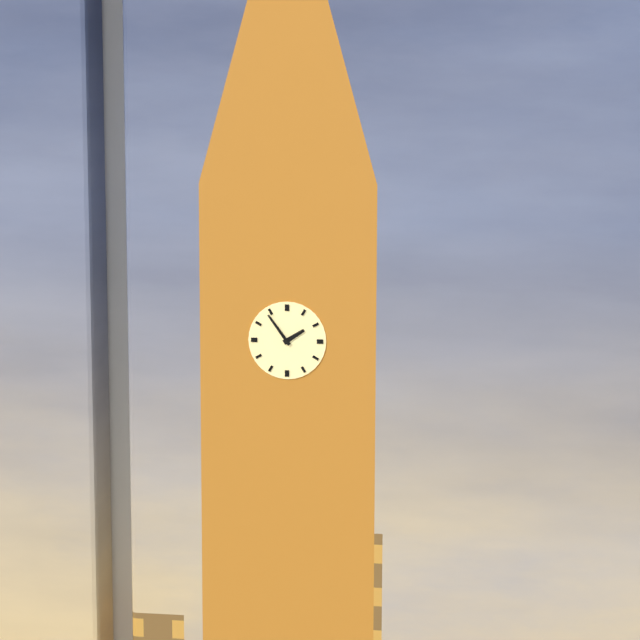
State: h=1 m=54
